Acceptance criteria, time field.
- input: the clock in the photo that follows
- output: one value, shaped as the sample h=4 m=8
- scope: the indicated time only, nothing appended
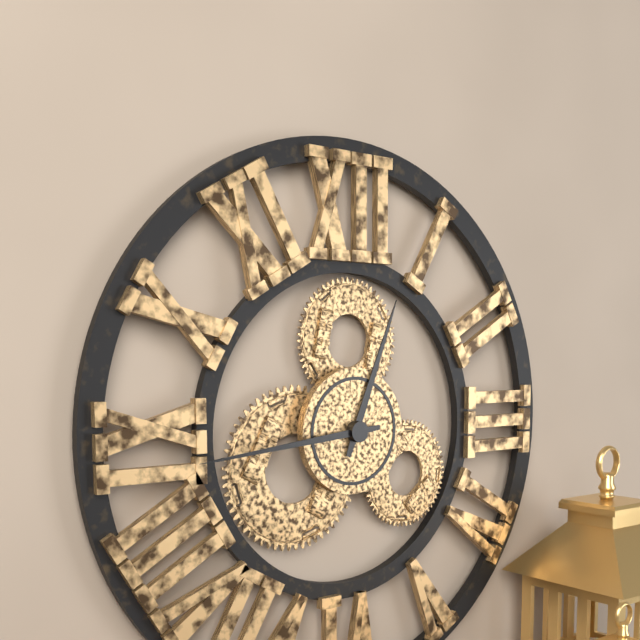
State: h=12 m=44
